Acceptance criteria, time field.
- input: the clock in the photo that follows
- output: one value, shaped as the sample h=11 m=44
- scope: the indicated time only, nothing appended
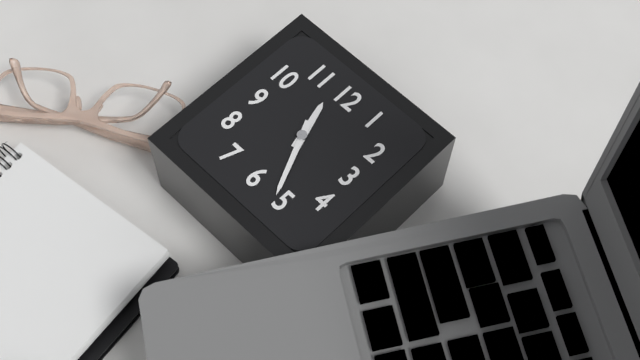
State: h=11 m=26
